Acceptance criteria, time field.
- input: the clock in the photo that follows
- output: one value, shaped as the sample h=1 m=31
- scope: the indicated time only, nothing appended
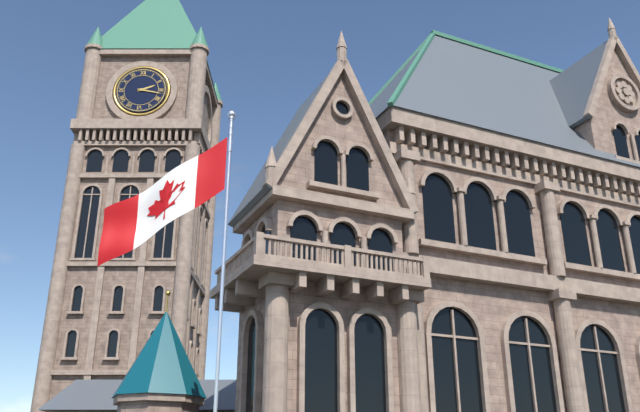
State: h=2 m=17
